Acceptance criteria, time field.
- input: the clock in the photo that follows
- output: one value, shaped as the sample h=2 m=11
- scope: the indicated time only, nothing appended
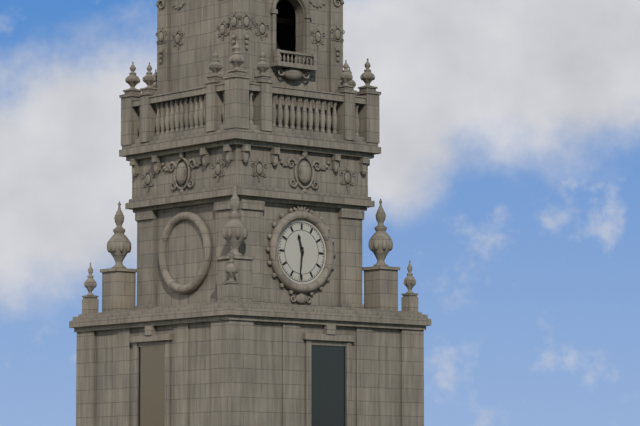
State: h=11 m=31
